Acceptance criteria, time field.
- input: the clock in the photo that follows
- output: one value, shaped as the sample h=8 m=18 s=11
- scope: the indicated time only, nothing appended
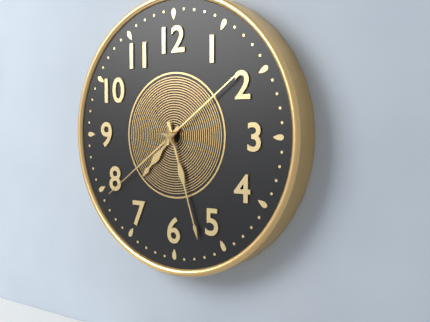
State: h=7 m=27 s=39
